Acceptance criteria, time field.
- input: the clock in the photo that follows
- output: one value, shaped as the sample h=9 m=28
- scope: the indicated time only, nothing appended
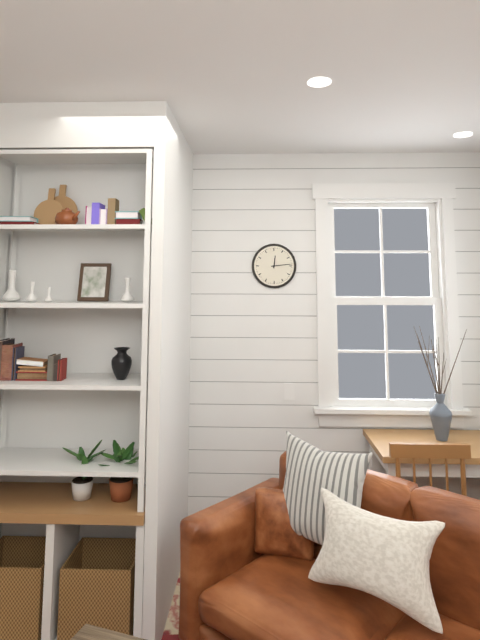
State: h=12 m=14
